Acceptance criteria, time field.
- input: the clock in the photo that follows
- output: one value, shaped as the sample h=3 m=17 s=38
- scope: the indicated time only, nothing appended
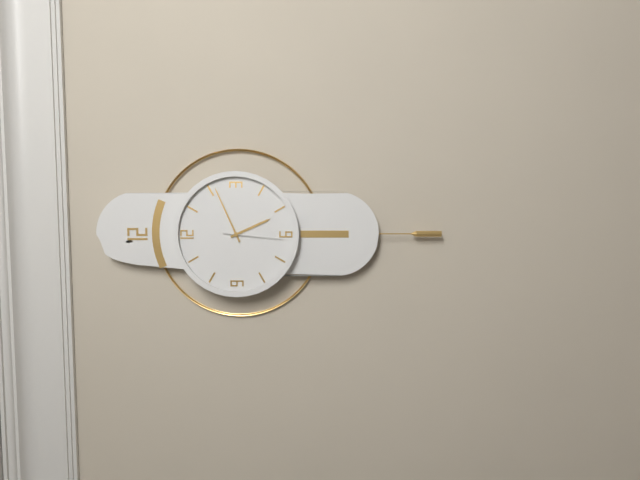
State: h=5 m=11 s=31
